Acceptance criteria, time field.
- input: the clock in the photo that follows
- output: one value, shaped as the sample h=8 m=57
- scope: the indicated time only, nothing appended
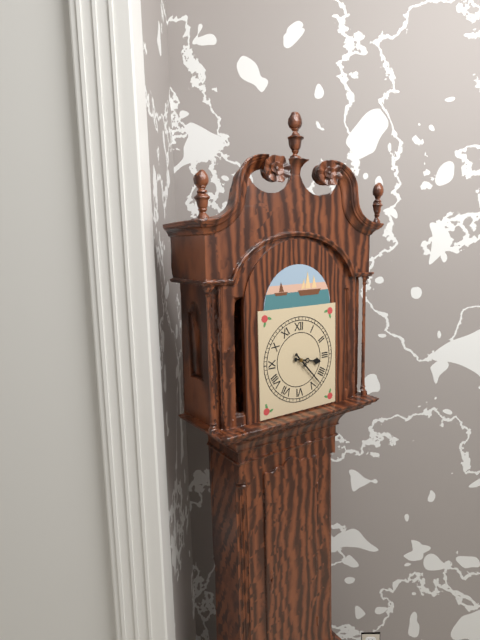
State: h=3 m=23
